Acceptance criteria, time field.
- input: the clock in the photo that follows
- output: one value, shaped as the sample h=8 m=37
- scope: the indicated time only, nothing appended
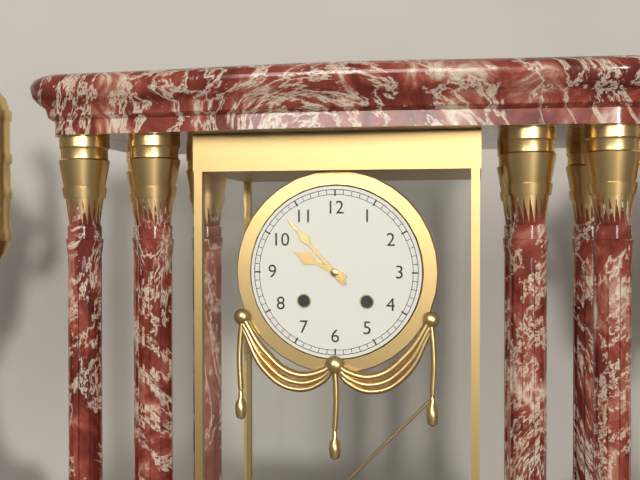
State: h=9 m=53
